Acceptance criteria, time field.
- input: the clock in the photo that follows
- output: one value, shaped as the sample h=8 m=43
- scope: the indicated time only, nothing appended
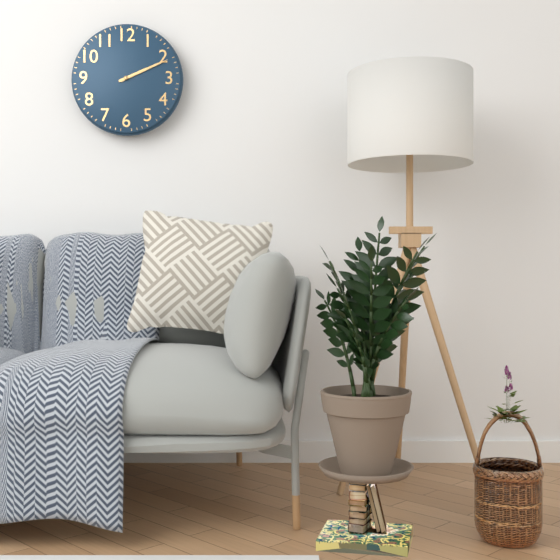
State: h=2 m=11
